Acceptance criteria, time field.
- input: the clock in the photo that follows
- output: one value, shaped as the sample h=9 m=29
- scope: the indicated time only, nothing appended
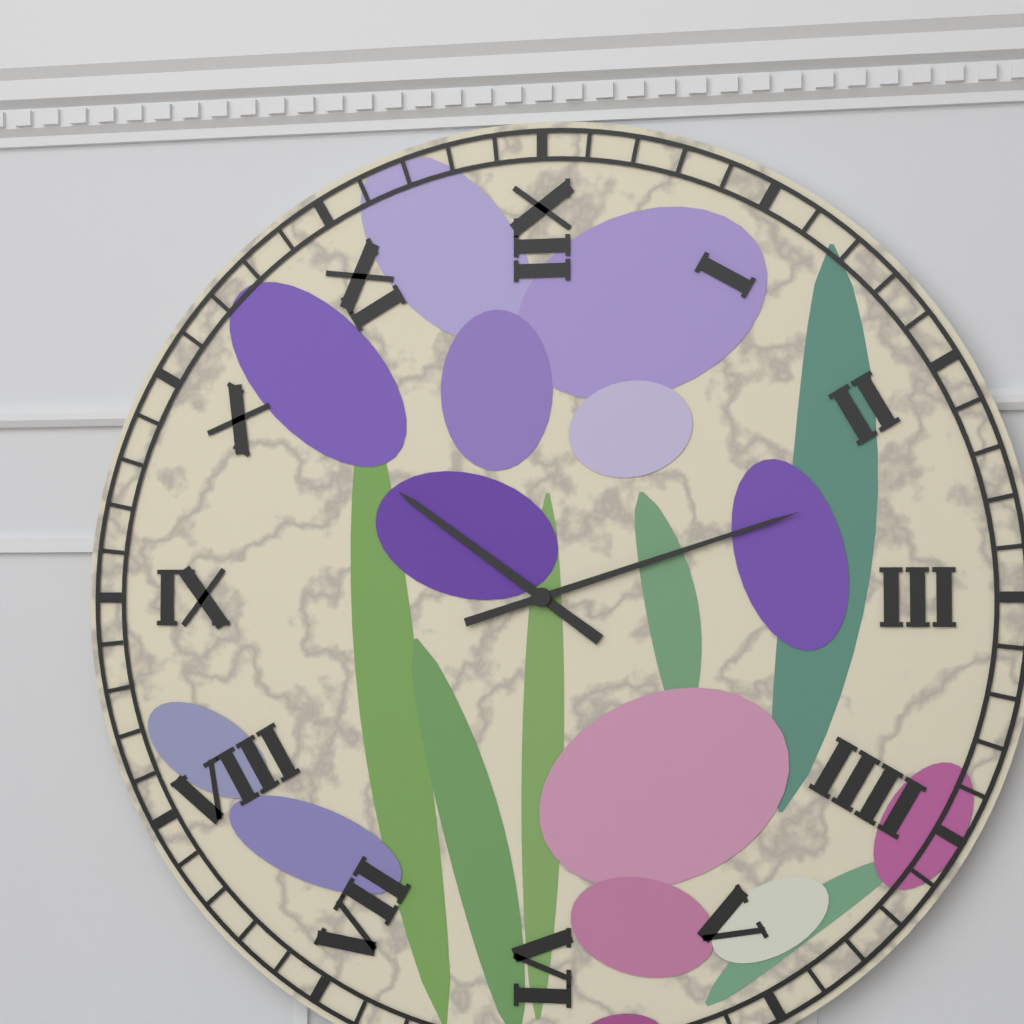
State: h=10 m=12
